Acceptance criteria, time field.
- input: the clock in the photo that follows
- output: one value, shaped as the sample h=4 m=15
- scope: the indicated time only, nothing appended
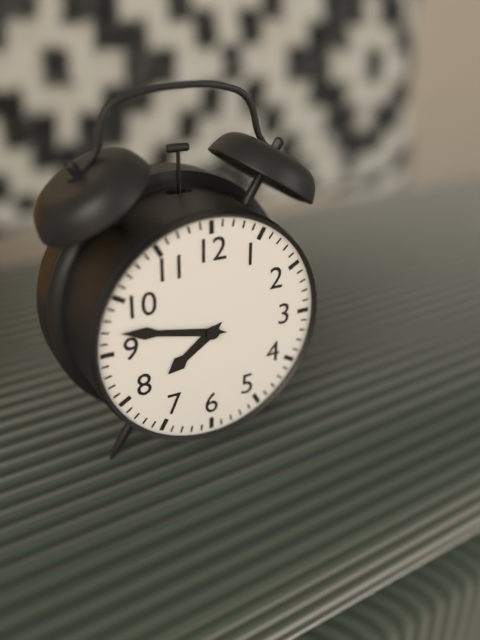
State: h=7 m=47
